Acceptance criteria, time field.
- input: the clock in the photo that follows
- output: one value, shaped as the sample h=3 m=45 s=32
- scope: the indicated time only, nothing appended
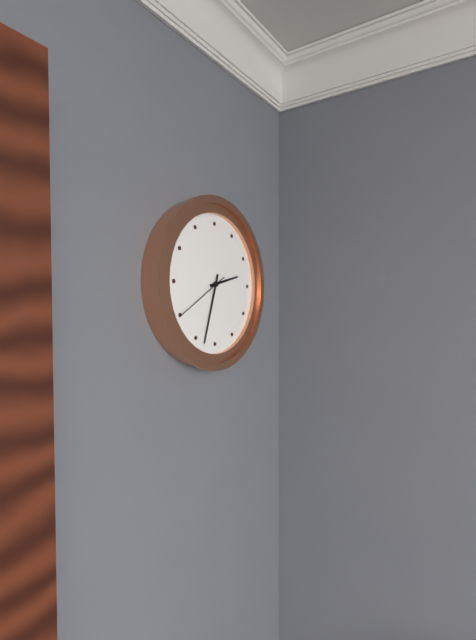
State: h=2 m=33 s=40
